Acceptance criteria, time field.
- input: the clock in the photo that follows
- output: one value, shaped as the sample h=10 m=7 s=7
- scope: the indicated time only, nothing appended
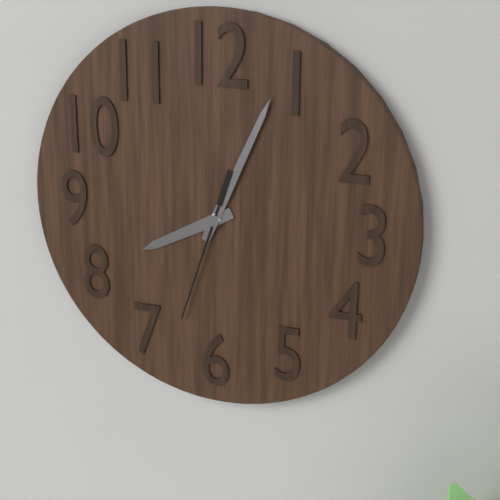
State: h=8 m=4 s=33
